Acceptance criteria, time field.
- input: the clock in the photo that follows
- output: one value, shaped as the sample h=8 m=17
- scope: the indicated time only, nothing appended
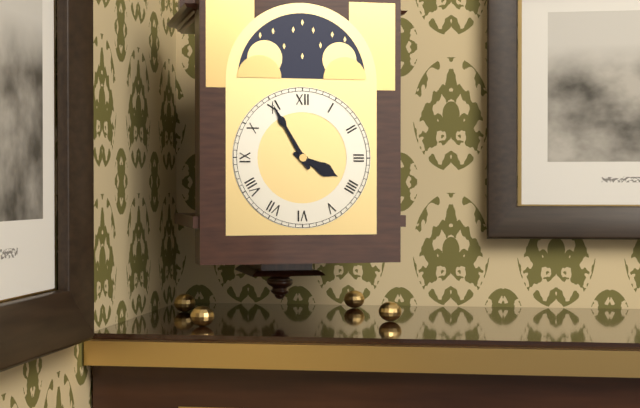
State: h=3 m=55
